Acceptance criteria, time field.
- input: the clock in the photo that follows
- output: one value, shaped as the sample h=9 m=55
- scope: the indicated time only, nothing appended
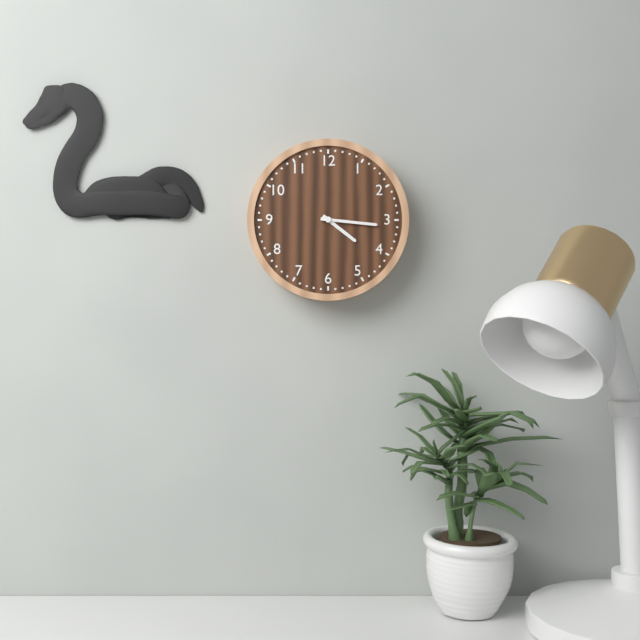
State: h=4 m=16
